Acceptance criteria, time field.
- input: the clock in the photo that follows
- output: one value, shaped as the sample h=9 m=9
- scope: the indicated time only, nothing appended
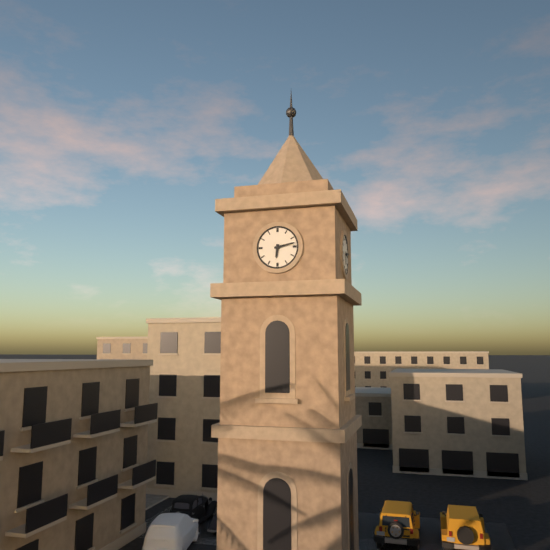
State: h=6 m=13
